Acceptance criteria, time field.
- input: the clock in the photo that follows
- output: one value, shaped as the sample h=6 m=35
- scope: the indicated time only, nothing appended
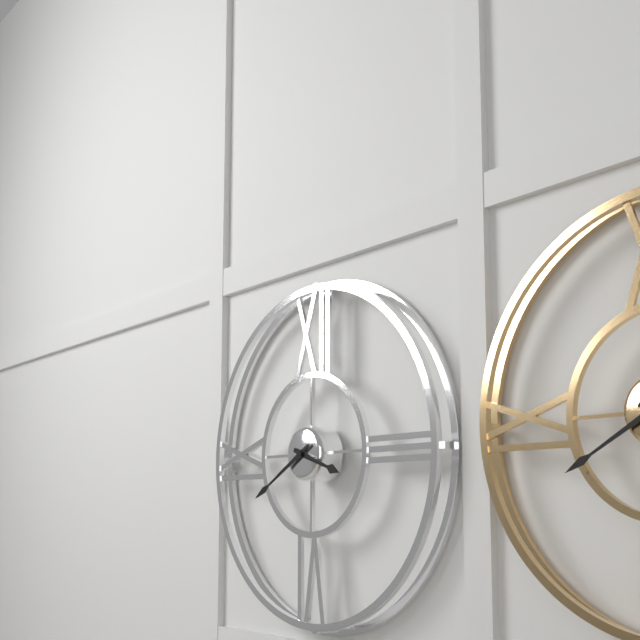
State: h=3 m=40
